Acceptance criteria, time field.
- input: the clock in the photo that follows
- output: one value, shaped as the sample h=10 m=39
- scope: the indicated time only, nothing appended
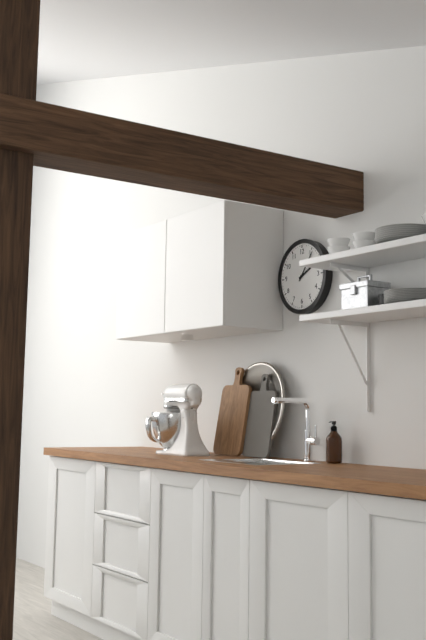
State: h=2 m=6
